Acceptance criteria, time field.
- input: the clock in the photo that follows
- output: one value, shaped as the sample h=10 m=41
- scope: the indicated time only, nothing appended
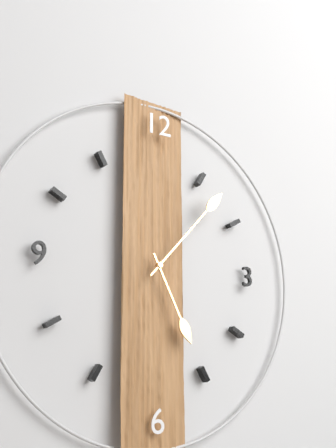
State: h=5 m=7
